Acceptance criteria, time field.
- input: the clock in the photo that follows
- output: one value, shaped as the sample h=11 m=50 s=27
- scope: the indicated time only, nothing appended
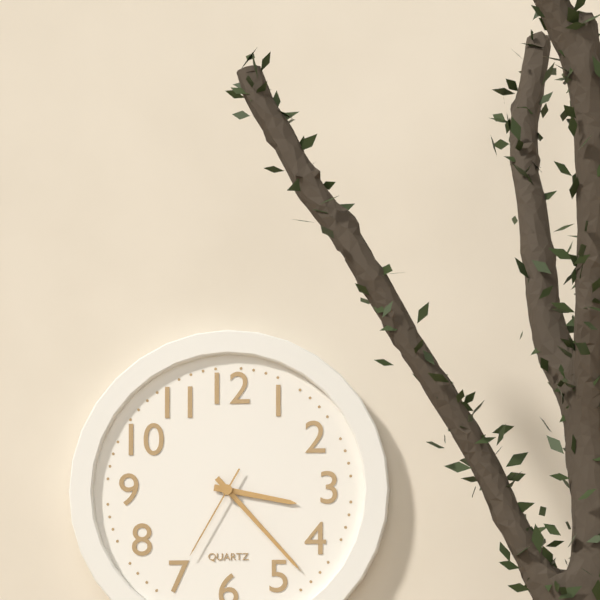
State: h=3 m=23 s=35
